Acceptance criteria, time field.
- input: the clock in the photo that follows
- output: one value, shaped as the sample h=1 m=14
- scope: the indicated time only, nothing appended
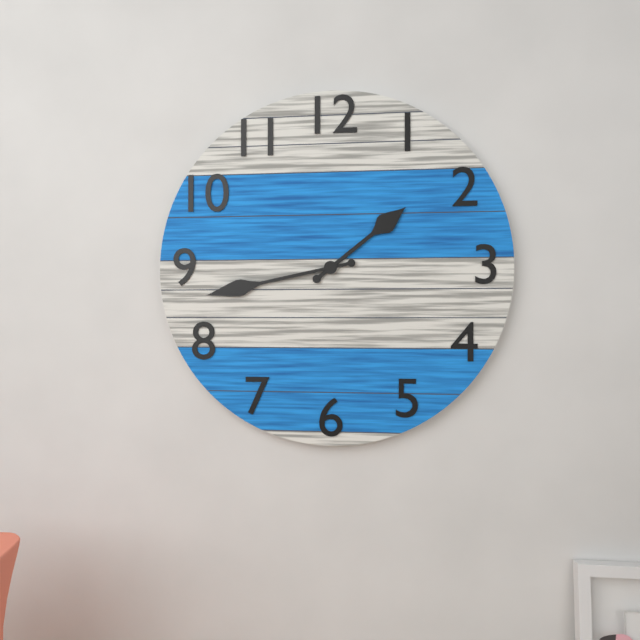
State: h=1 m=43
